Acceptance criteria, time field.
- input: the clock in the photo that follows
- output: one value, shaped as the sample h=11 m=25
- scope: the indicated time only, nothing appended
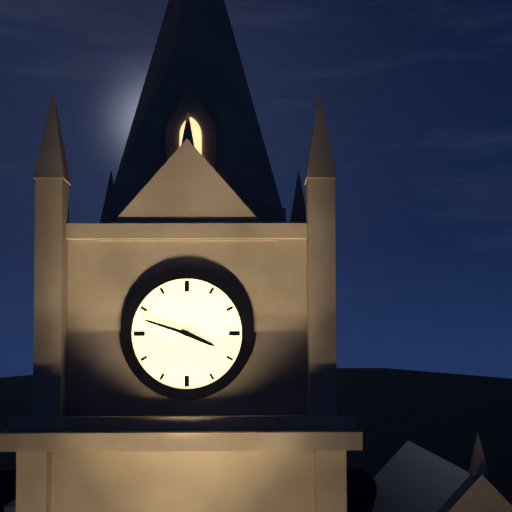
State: h=3 m=48
